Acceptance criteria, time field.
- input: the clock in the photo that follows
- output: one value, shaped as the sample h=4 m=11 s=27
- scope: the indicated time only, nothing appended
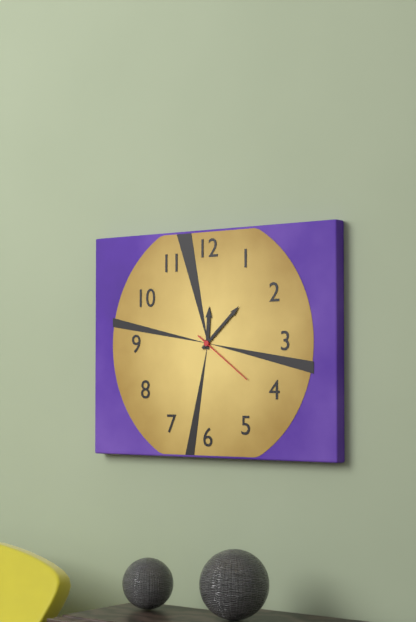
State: h=12 m=8 s=21
